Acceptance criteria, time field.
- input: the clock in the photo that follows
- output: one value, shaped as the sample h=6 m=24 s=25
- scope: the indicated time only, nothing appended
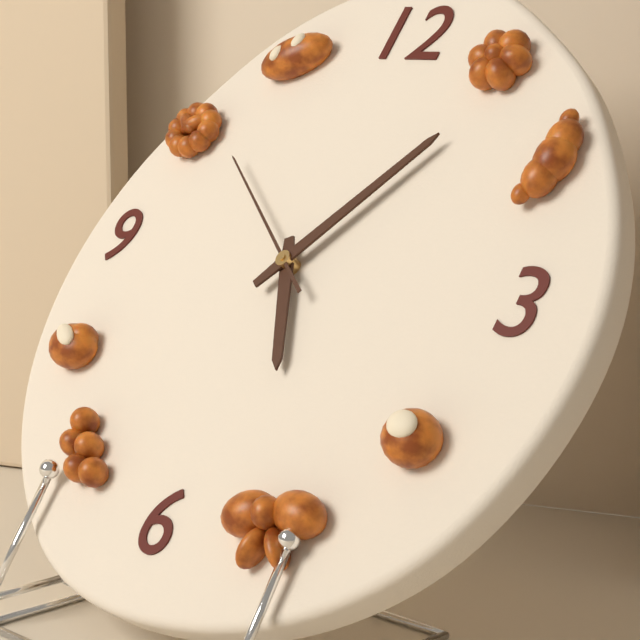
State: h=5 m=6 s=51
